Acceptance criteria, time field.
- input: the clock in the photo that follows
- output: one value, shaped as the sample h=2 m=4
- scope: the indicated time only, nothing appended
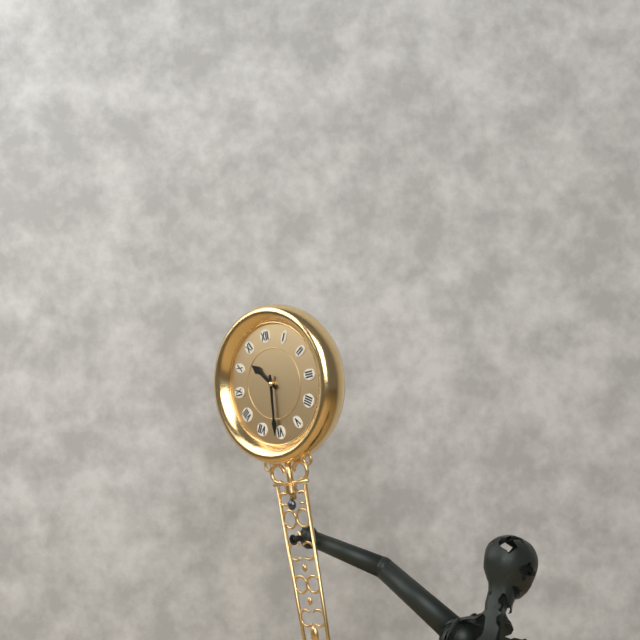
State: h=10 m=31
